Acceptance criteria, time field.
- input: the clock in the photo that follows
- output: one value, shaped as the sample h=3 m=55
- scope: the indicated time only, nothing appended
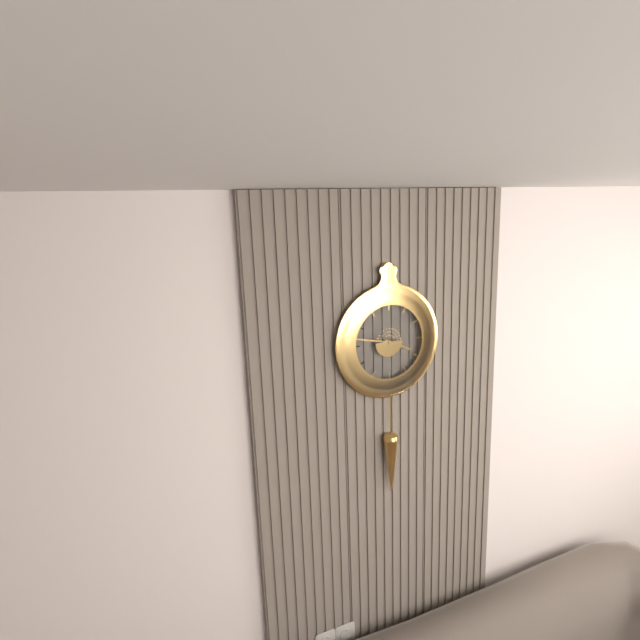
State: h=3 m=47
